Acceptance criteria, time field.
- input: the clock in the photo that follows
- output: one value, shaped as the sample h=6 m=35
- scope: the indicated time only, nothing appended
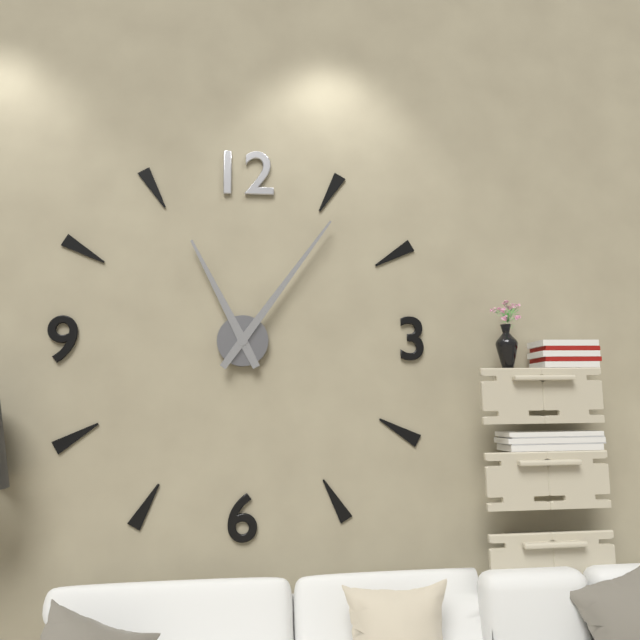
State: h=11 m=6
